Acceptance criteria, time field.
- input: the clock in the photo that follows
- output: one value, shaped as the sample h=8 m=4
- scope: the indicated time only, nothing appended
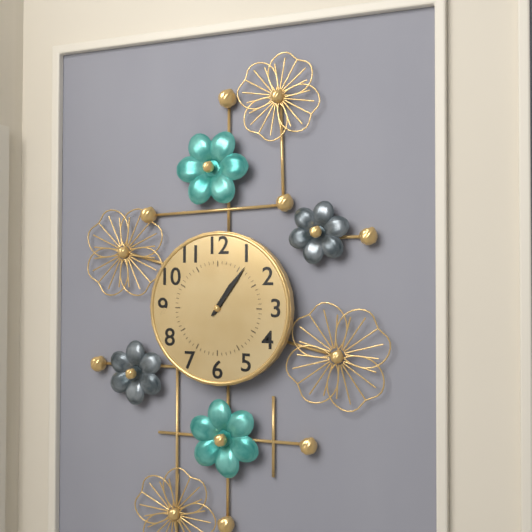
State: h=1 m=6
